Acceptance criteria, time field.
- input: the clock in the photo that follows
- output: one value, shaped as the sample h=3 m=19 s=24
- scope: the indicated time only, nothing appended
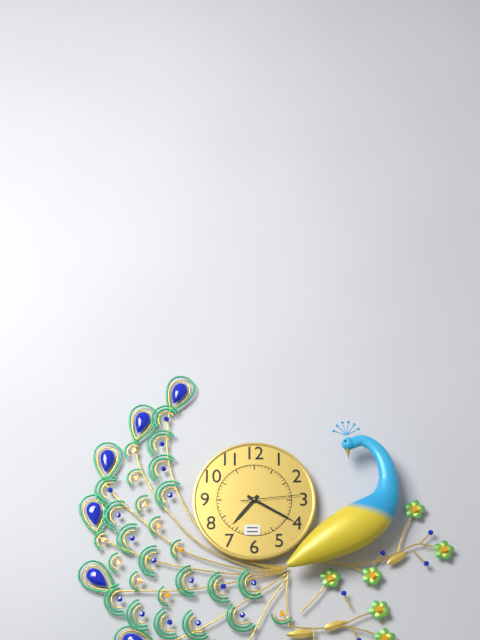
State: h=7 m=20 s=14
